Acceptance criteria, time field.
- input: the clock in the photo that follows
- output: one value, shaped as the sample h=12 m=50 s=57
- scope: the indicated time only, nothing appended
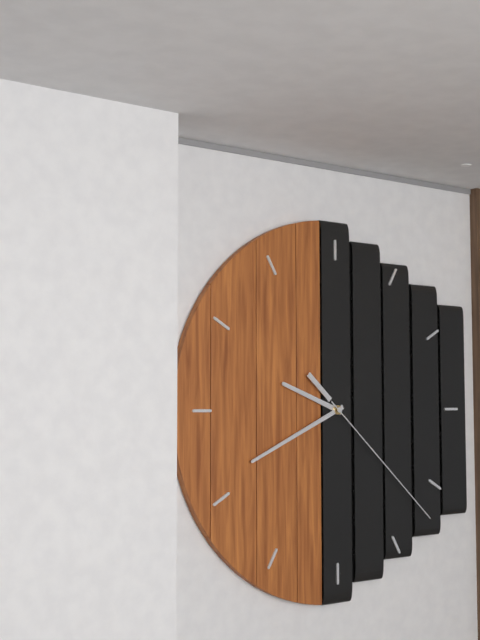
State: h=9 m=41 s=22
